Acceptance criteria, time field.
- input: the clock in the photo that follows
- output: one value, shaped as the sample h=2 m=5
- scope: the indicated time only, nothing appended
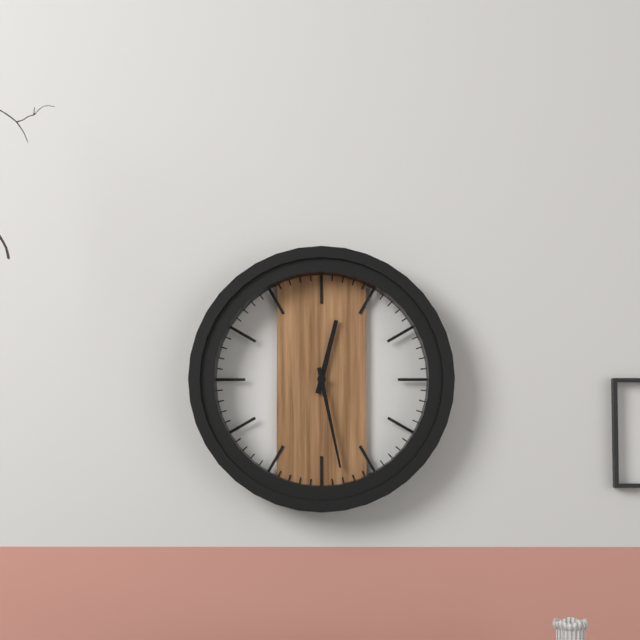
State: h=12 m=28
